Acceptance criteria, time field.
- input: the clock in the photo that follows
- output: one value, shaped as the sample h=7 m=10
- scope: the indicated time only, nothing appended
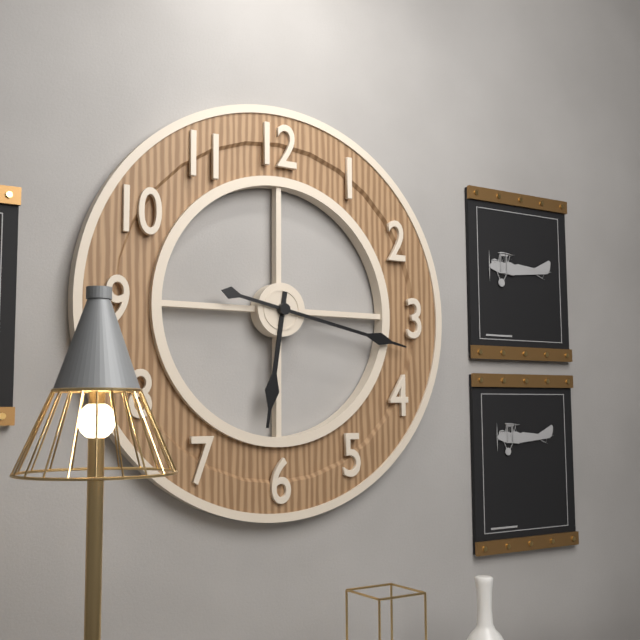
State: h=6 m=17
